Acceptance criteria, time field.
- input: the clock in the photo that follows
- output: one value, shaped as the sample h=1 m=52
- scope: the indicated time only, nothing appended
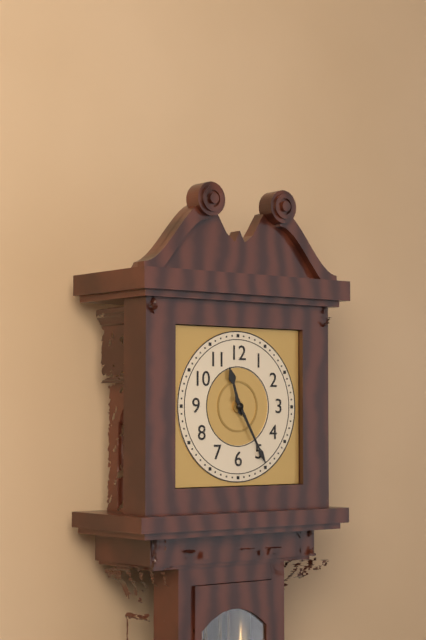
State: h=11 m=25
